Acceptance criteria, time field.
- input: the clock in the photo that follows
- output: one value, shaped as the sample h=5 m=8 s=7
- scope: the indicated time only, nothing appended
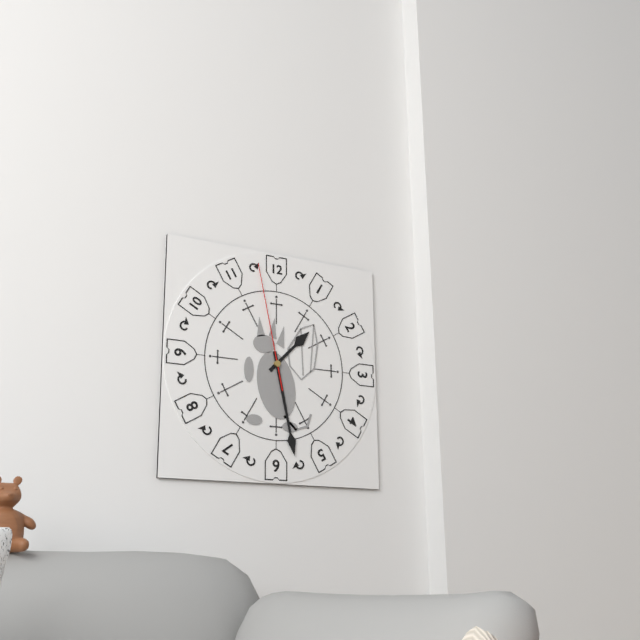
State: h=1 m=28 s=58
